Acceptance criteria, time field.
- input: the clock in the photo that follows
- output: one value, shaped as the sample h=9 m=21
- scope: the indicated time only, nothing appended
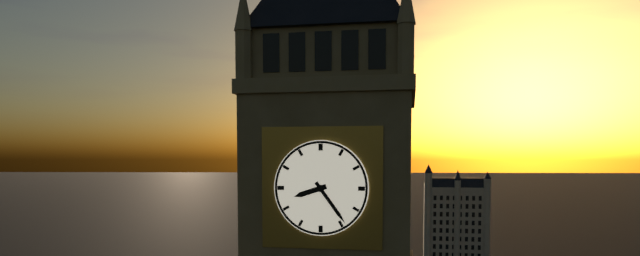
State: h=8 m=24
